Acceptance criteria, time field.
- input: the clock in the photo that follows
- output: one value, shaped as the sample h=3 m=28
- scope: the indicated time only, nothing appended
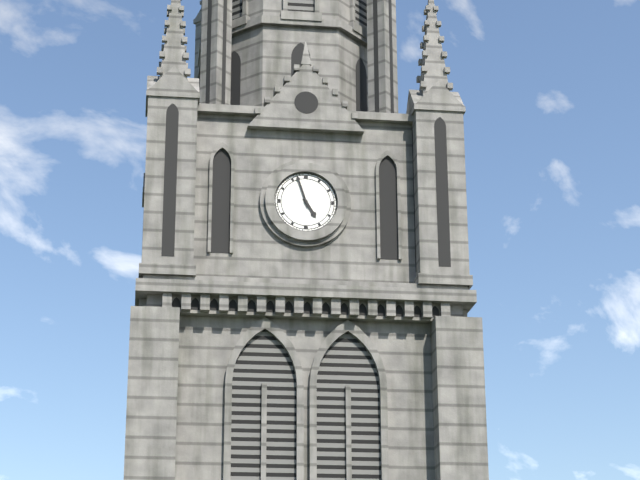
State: h=4 m=57
